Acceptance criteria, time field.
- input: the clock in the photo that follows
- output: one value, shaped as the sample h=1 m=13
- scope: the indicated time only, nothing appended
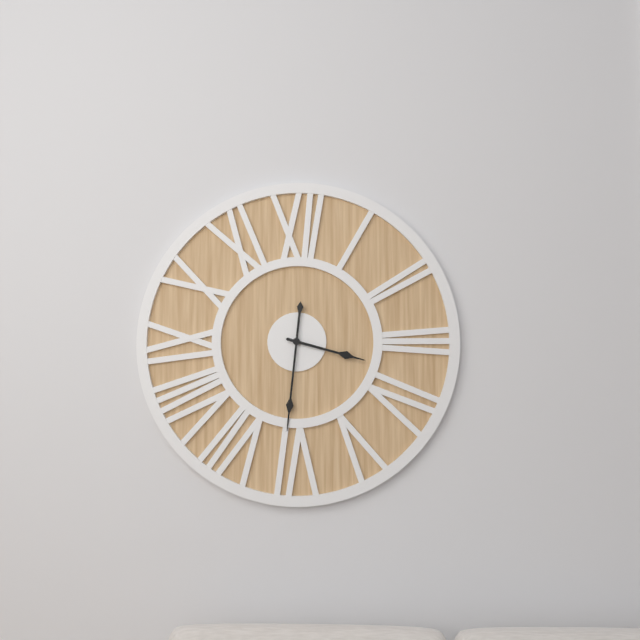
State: h=3 m=31
